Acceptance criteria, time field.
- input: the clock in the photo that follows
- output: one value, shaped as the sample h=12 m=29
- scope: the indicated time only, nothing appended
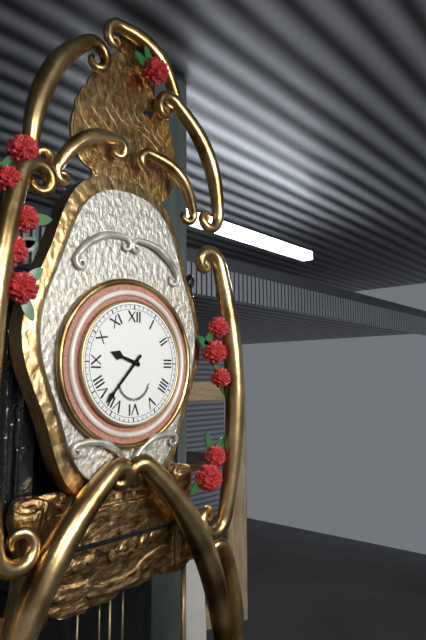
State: h=9 m=37
